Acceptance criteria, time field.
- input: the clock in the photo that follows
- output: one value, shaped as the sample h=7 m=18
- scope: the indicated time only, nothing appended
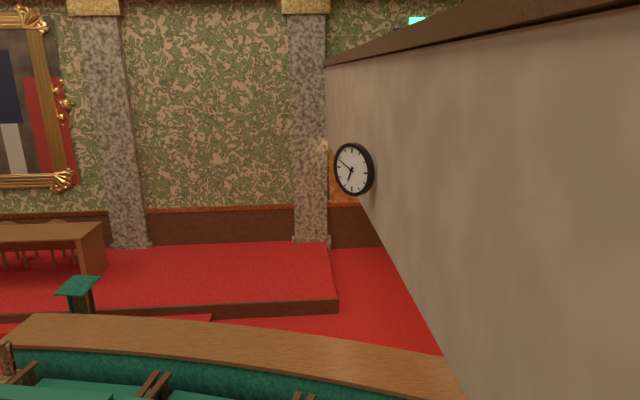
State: h=6 m=49
